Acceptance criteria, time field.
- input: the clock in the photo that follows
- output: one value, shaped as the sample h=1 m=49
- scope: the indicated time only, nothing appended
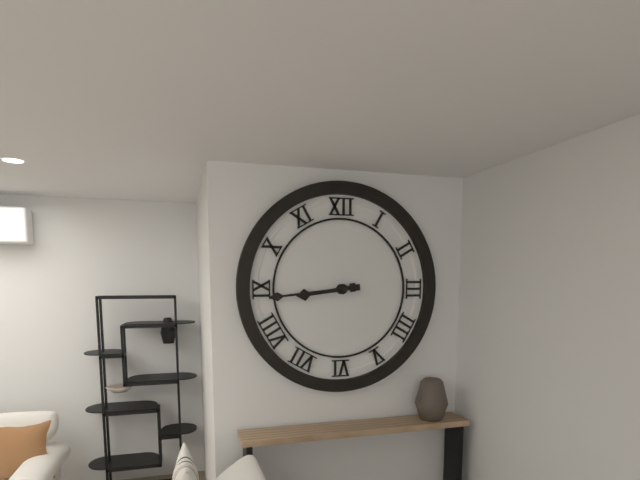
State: h=8 m=44
